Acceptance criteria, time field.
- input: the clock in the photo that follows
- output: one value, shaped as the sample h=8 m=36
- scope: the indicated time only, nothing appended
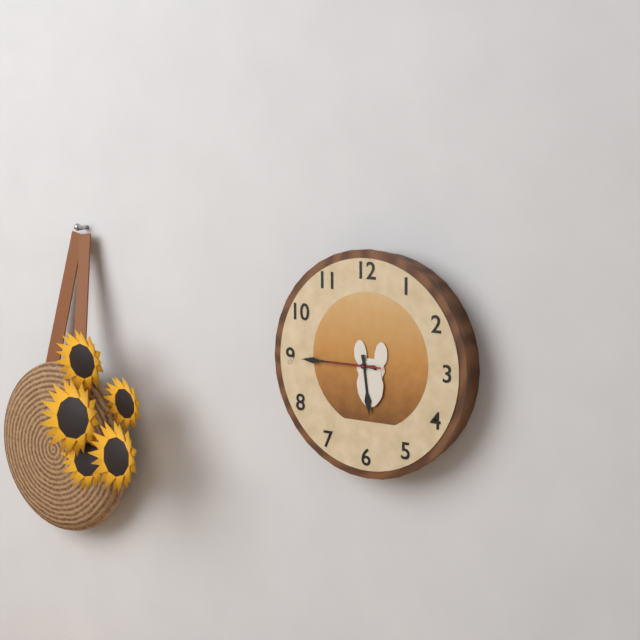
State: h=5 m=45
